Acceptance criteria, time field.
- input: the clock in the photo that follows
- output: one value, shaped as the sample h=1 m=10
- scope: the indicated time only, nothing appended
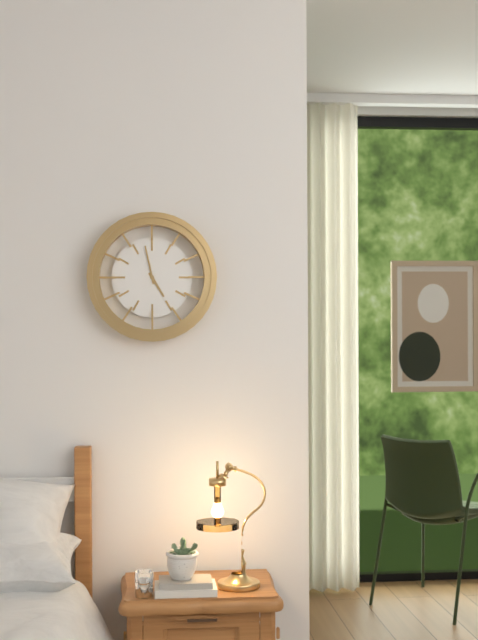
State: h=4 m=58
